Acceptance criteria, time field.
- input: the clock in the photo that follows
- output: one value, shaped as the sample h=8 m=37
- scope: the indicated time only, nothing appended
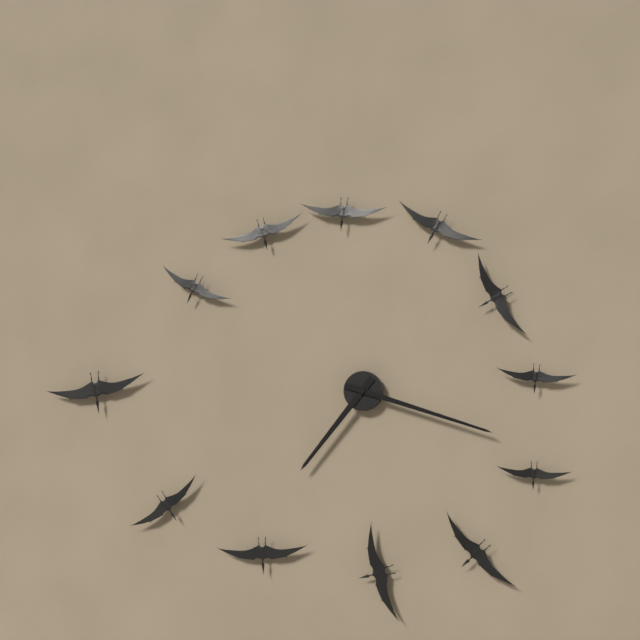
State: h=7 m=18
